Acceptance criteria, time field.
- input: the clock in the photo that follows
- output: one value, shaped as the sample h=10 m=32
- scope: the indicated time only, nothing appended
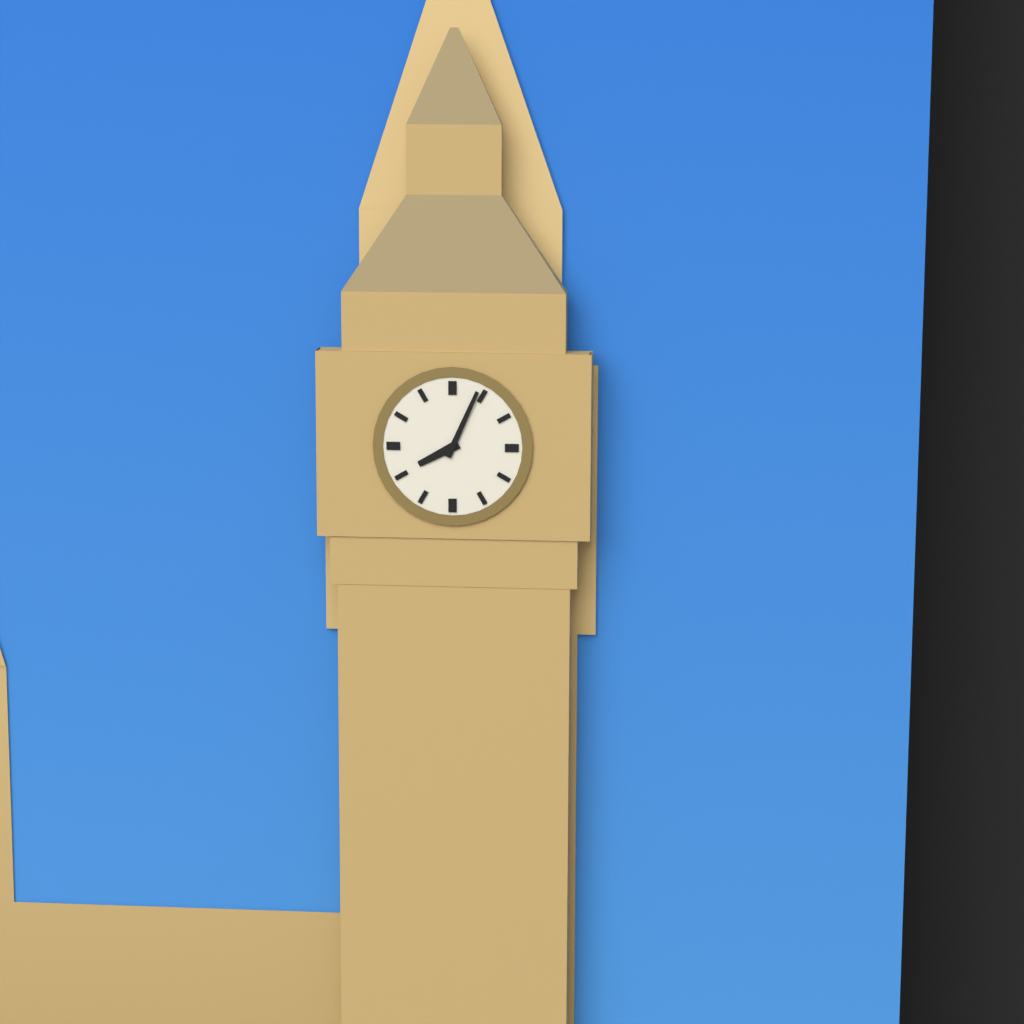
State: h=8 m=4
